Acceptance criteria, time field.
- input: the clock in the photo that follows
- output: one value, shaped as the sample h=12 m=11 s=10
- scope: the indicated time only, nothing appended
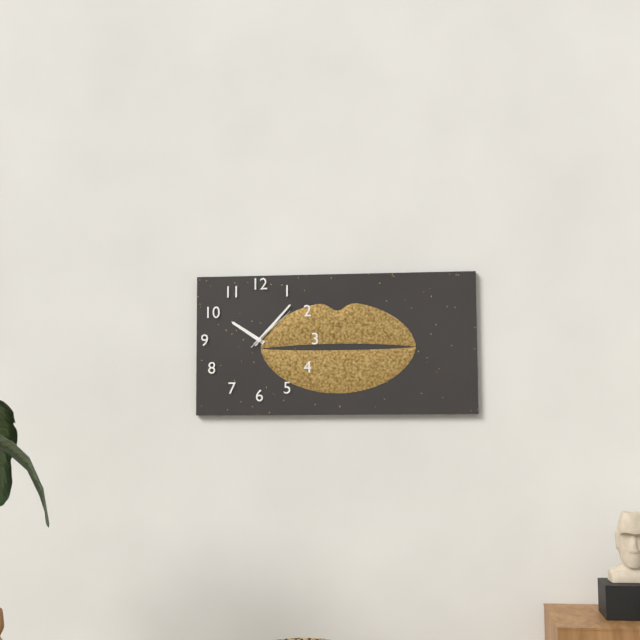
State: h=10 m=7 s=8
